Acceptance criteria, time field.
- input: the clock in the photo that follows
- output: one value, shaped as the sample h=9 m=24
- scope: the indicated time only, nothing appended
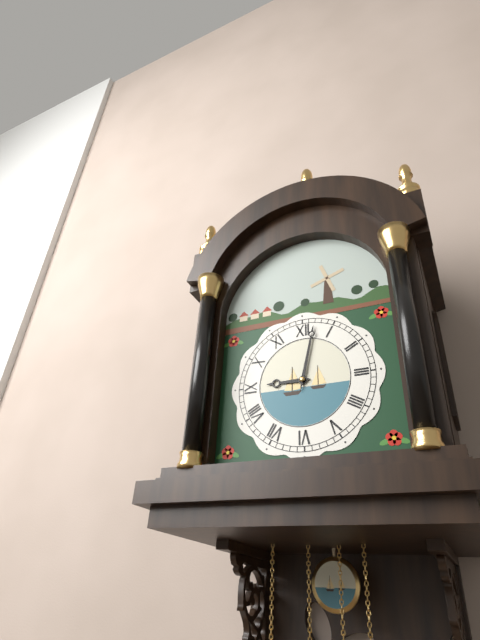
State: h=9 m=2
